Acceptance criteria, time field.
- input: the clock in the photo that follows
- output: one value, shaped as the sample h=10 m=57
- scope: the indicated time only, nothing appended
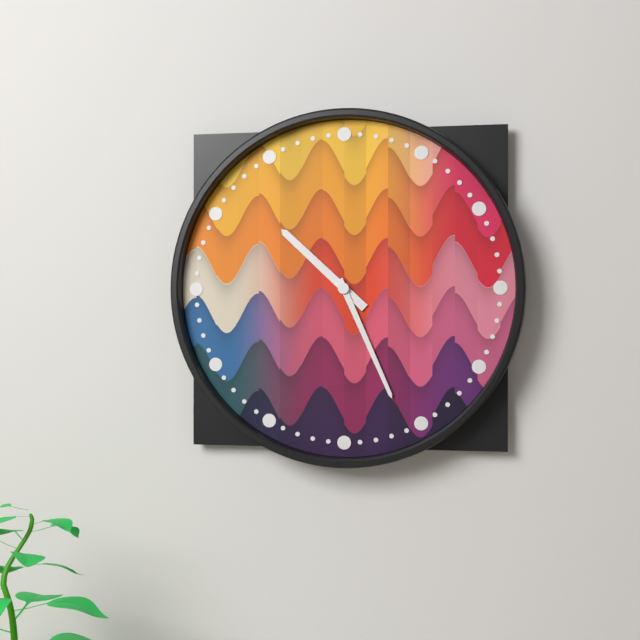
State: h=10 m=26
